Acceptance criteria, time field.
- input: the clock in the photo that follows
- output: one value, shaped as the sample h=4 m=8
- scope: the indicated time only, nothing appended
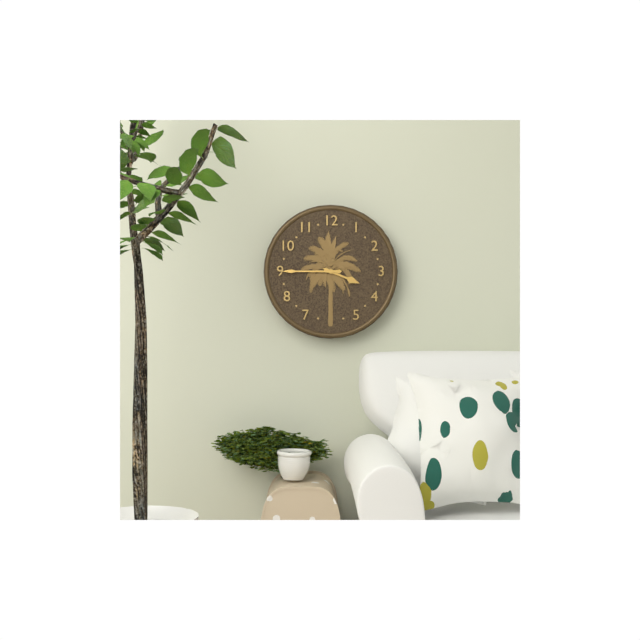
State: h=3 m=45
